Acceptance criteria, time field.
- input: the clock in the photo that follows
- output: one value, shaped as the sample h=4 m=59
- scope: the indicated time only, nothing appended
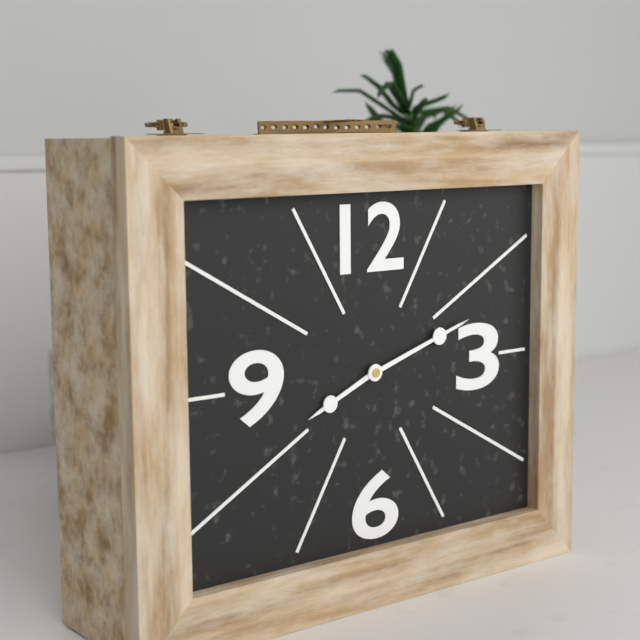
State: h=8 m=12
